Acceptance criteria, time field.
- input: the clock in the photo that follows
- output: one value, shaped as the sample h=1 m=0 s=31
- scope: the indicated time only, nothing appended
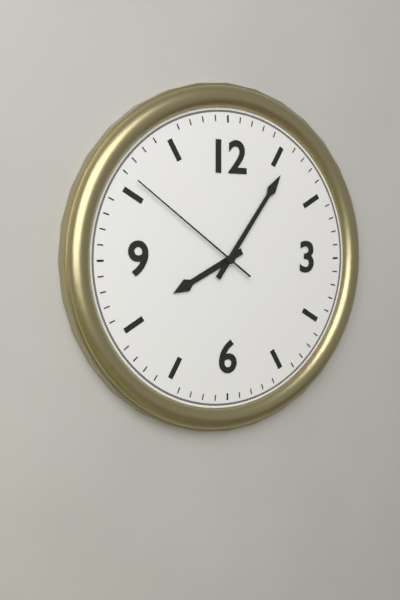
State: h=8 m=6 s=51
